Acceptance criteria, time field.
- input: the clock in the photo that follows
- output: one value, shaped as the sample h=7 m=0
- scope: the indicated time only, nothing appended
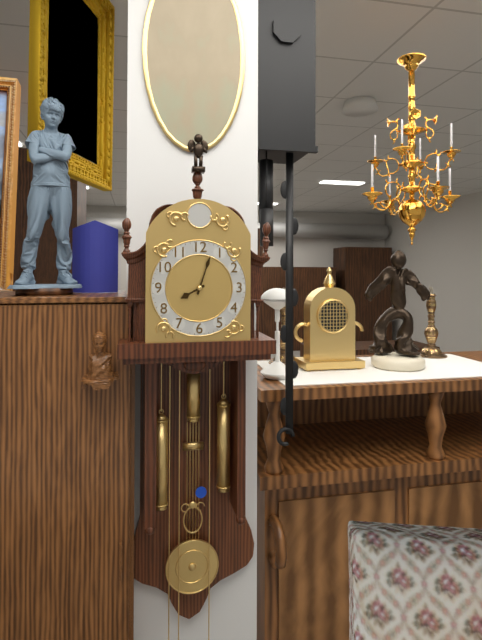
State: h=8 m=3
